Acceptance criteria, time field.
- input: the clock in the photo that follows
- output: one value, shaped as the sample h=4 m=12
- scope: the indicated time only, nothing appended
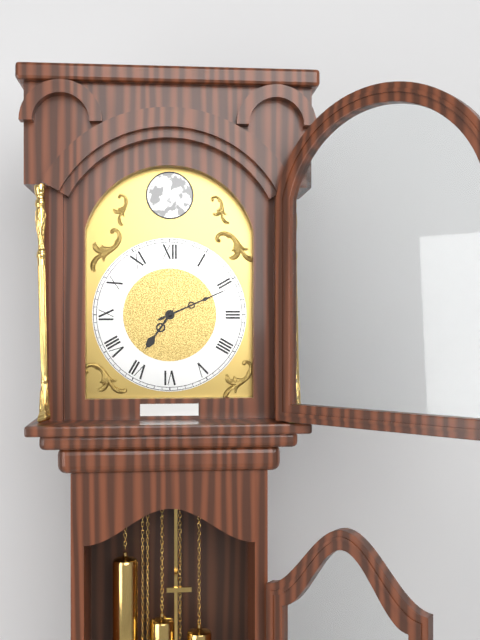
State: h=7 m=11
